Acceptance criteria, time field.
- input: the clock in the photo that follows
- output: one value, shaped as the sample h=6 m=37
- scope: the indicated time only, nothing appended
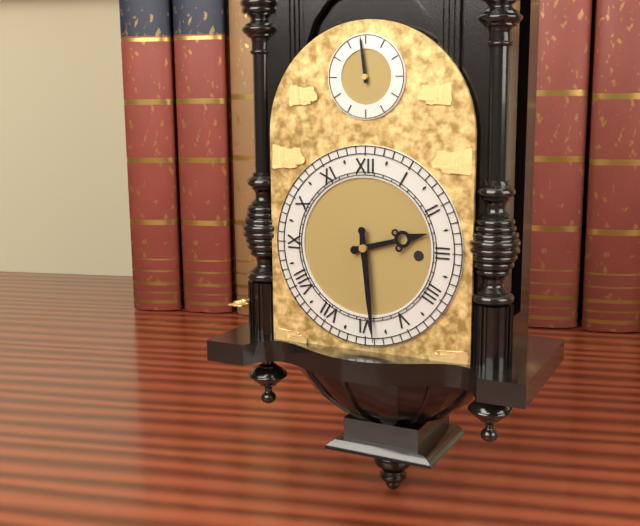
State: h=2 m=29
